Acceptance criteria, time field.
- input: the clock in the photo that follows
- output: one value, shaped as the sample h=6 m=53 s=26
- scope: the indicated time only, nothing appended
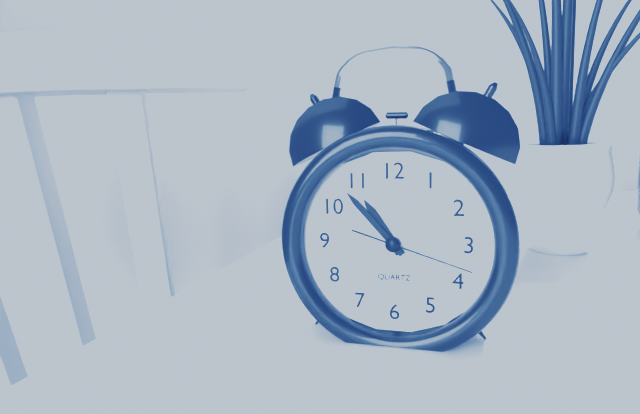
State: h=10 m=53 s=18
